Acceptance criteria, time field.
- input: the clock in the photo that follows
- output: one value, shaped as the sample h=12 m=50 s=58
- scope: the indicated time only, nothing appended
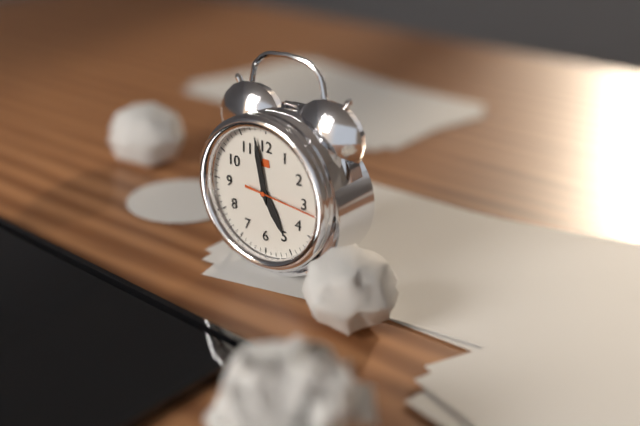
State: h=4 m=58 s=16
